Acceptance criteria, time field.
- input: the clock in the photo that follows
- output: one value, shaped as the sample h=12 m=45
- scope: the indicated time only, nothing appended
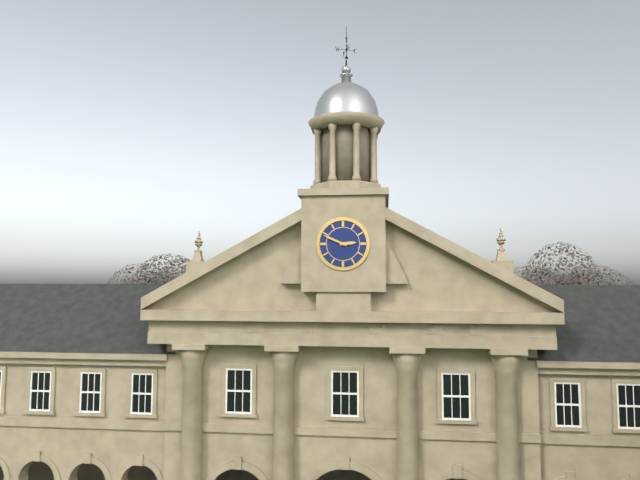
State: h=2 m=49
